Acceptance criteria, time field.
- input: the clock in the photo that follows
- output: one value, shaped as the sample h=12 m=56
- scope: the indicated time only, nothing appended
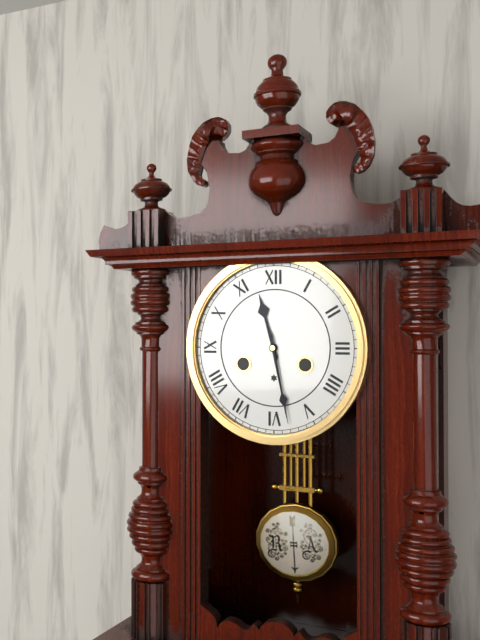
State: h=11 m=28
